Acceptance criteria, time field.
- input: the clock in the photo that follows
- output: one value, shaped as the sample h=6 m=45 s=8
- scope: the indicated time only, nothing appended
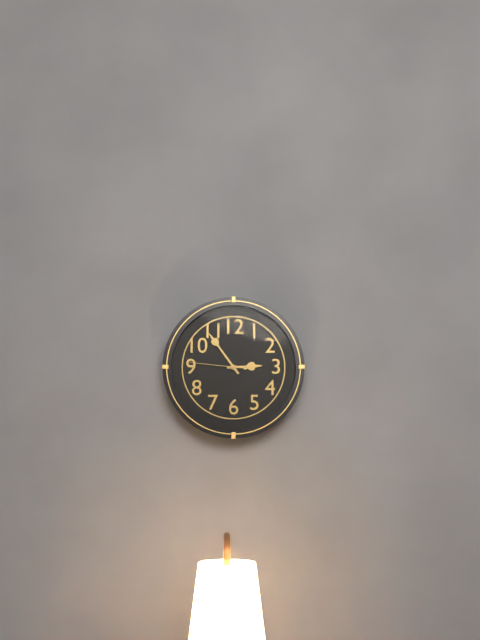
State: h=2 m=54 s=46
